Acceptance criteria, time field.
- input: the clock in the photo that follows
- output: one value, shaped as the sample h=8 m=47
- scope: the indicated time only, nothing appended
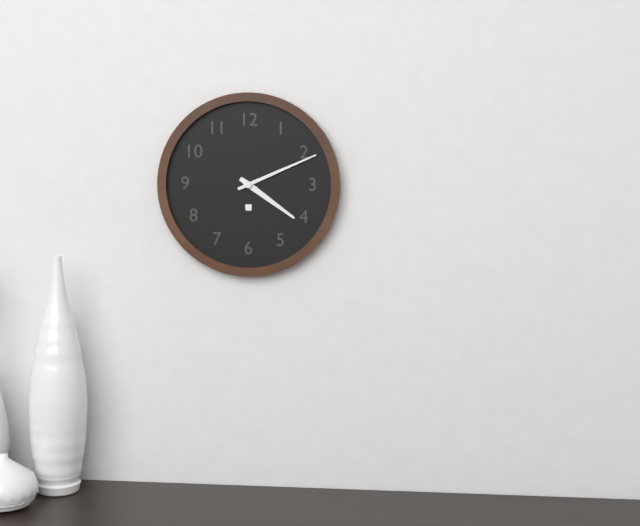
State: h=4 m=11
